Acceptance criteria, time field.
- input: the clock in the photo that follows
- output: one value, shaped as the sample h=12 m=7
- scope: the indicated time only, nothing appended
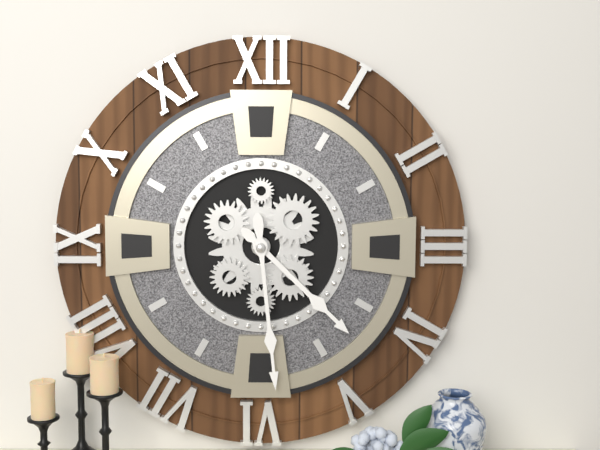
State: h=4 m=29
